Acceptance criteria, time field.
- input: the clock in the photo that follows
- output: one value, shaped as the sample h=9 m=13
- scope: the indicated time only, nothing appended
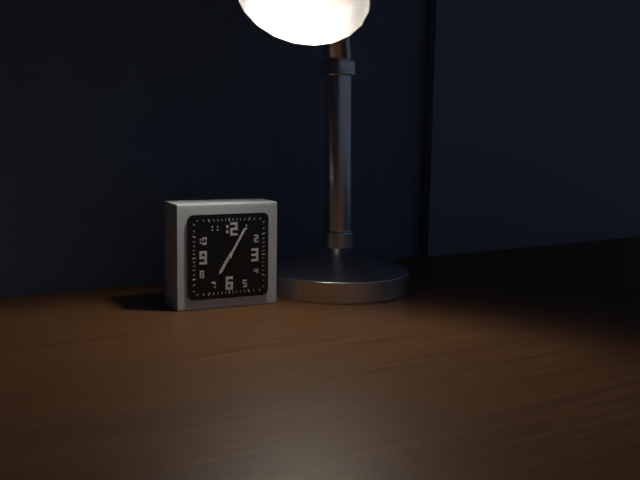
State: h=7 m=5
